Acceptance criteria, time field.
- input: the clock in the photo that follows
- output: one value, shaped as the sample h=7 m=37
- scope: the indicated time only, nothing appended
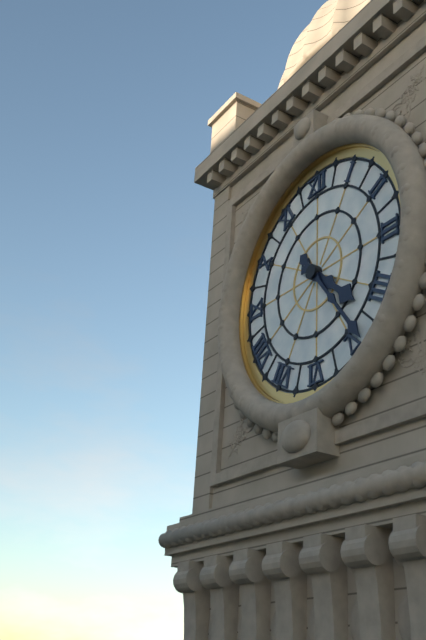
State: h=4 m=24
